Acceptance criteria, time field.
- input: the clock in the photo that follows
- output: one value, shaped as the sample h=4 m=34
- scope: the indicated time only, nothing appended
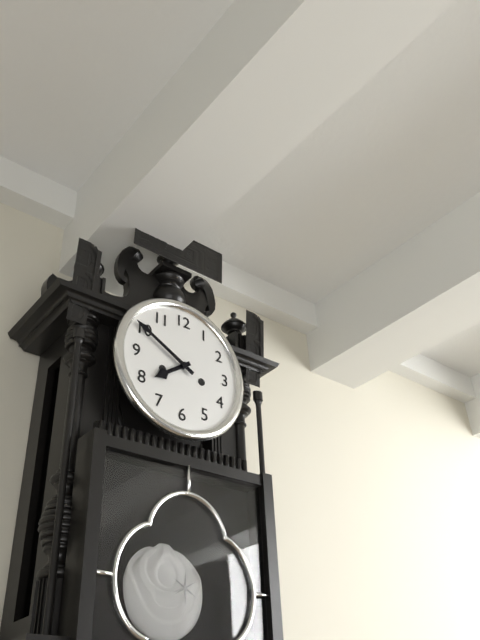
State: h=7 m=50
